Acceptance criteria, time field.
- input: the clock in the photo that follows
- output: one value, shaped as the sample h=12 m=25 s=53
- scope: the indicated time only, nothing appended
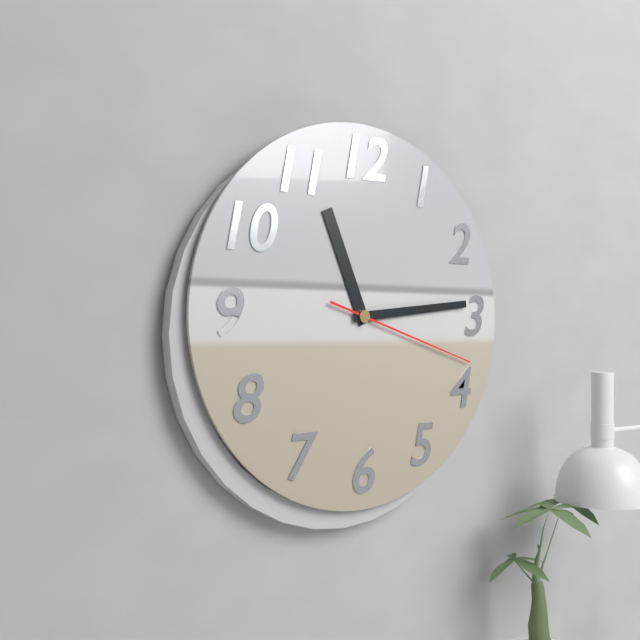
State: h=11 m=14 s=18
